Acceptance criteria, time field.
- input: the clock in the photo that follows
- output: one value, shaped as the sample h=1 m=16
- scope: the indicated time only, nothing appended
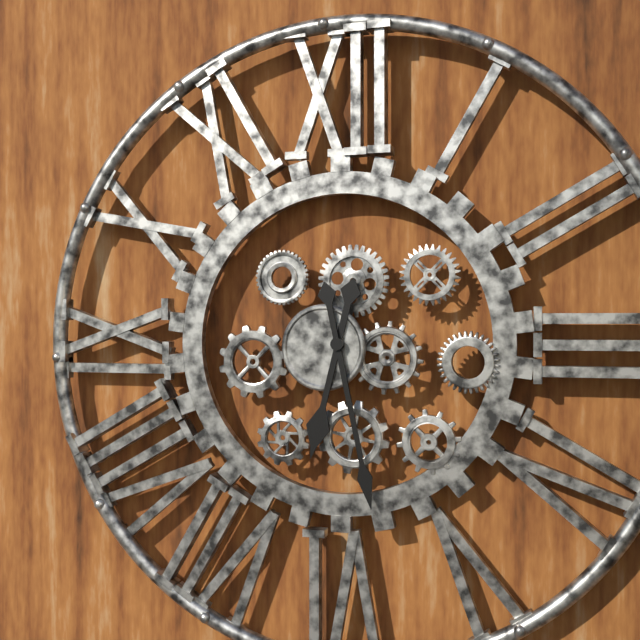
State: h=6 m=28
